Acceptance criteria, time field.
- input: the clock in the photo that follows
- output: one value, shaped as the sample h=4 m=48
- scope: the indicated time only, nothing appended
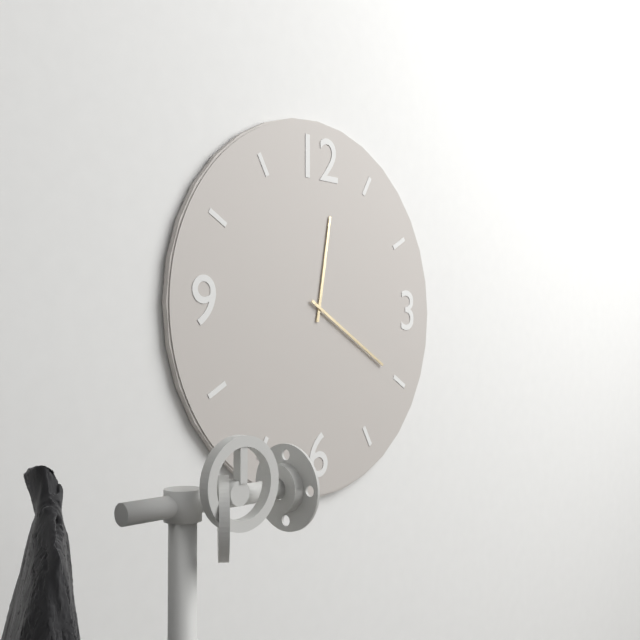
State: h=12 m=20
